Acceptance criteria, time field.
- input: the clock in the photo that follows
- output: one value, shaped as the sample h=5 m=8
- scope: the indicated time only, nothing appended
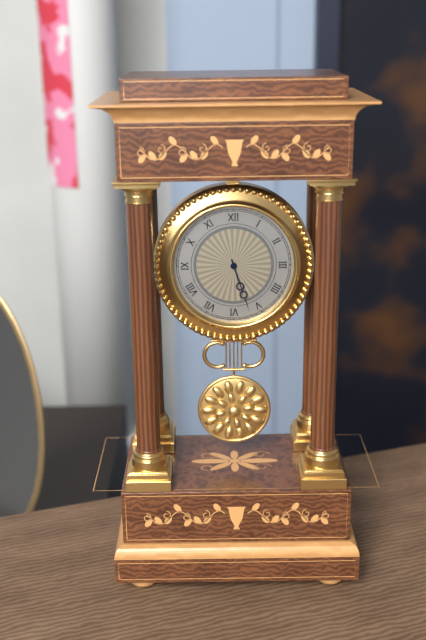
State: h=5 m=27
